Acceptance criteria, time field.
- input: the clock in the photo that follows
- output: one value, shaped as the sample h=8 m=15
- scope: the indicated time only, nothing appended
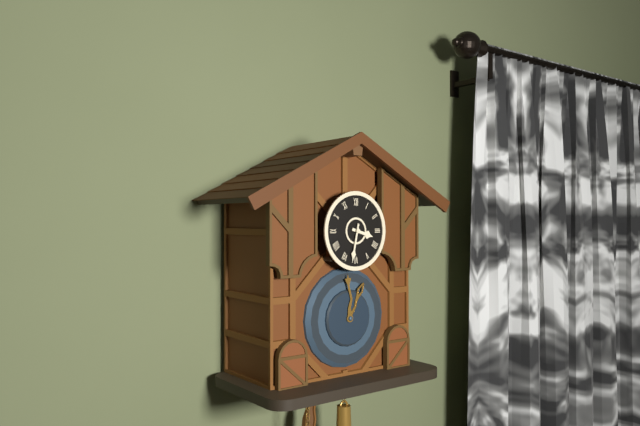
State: h=3 m=32
